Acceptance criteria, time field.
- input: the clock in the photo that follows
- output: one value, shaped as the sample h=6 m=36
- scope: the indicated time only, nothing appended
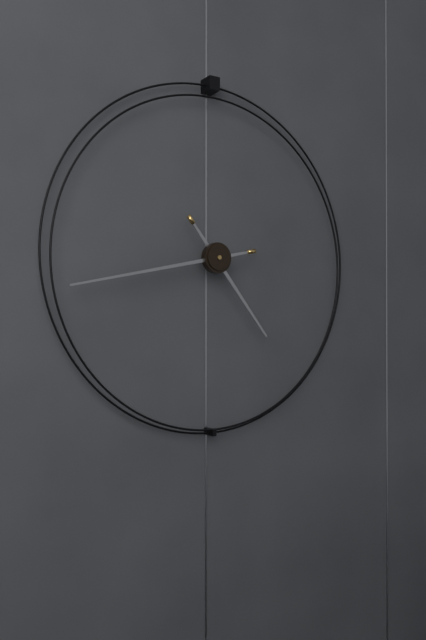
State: h=4 m=43
